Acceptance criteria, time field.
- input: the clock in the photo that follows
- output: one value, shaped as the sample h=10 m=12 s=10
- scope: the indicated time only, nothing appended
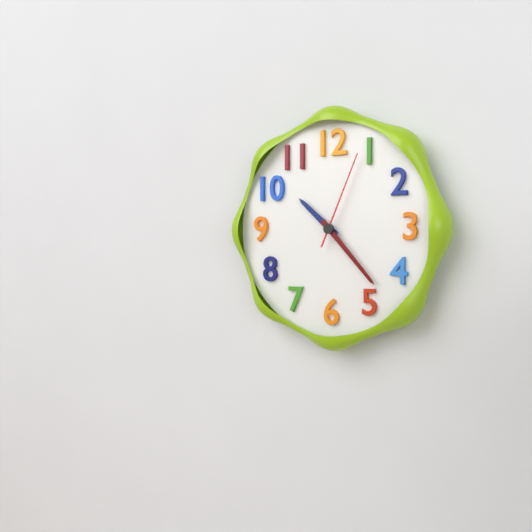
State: h=10 m=23 s=4
